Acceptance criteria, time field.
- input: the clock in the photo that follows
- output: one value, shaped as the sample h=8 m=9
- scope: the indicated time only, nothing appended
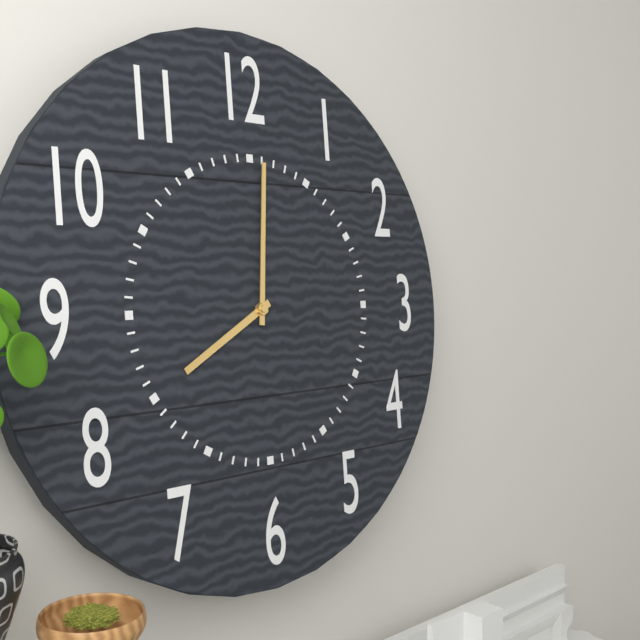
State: h=8 m=1
